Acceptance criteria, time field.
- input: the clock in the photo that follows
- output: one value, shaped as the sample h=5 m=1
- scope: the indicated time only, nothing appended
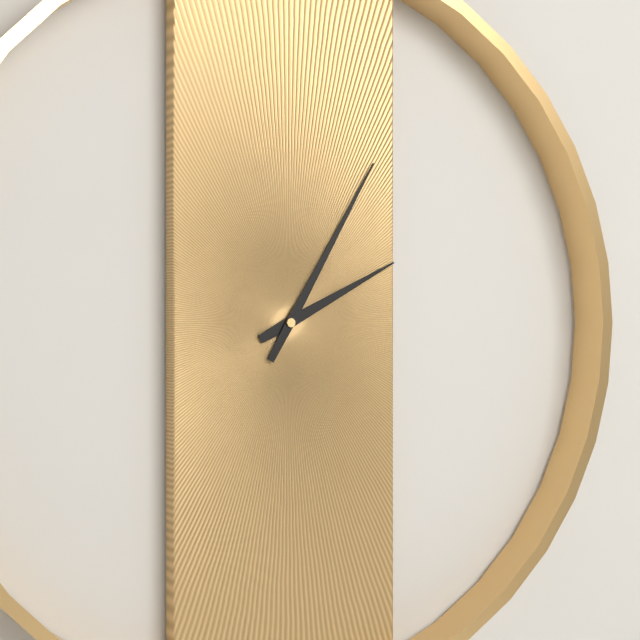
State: h=2 m=5
